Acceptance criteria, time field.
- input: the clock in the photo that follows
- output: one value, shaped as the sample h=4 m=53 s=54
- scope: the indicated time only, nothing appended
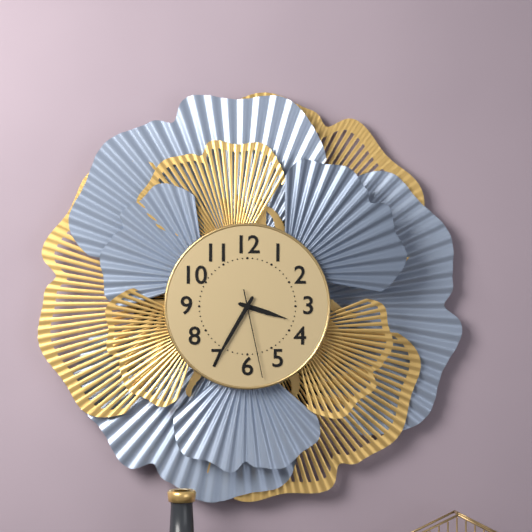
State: h=3 m=35 s=28
